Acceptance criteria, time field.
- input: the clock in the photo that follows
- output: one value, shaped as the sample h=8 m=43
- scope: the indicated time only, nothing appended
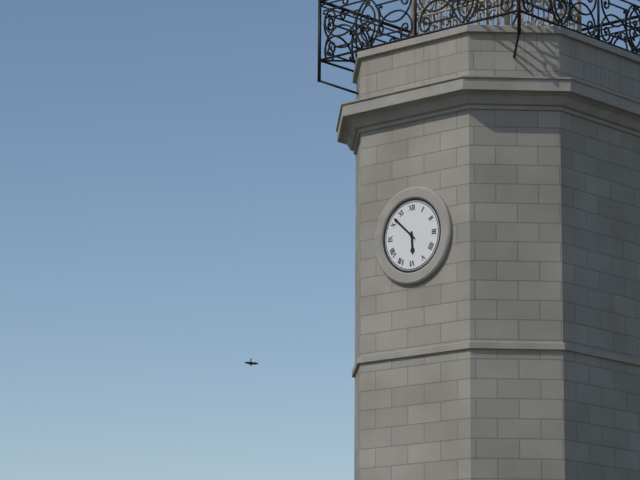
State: h=5 m=52
